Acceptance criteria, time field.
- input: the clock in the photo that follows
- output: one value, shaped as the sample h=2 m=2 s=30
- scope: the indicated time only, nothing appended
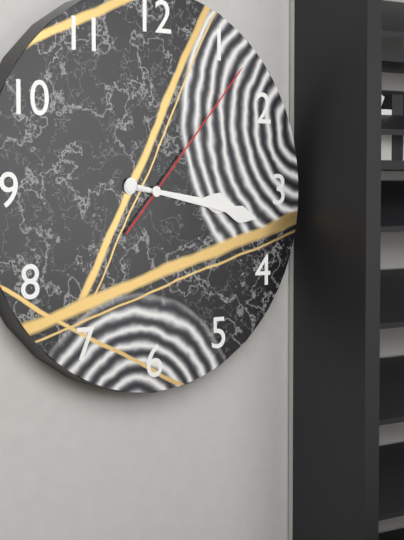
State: h=3 m=17 s=7
